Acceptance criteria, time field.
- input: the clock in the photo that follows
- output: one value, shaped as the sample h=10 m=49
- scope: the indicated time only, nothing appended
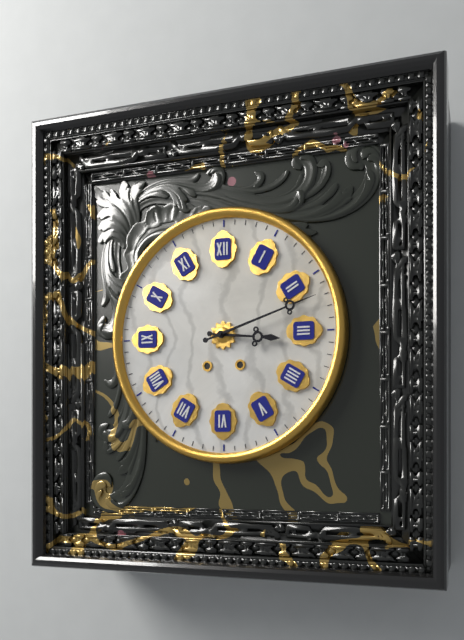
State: h=3 m=12
